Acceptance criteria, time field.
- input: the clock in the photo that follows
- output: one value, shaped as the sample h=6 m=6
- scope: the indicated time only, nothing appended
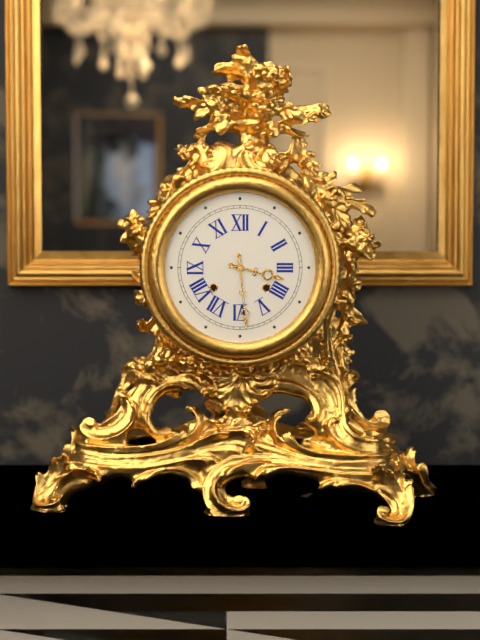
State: h=3 m=29
